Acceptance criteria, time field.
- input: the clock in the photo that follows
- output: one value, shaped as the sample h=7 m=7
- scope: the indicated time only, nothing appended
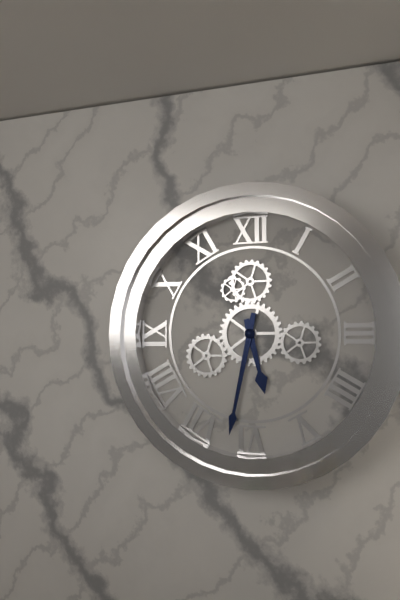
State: h=5 m=32
